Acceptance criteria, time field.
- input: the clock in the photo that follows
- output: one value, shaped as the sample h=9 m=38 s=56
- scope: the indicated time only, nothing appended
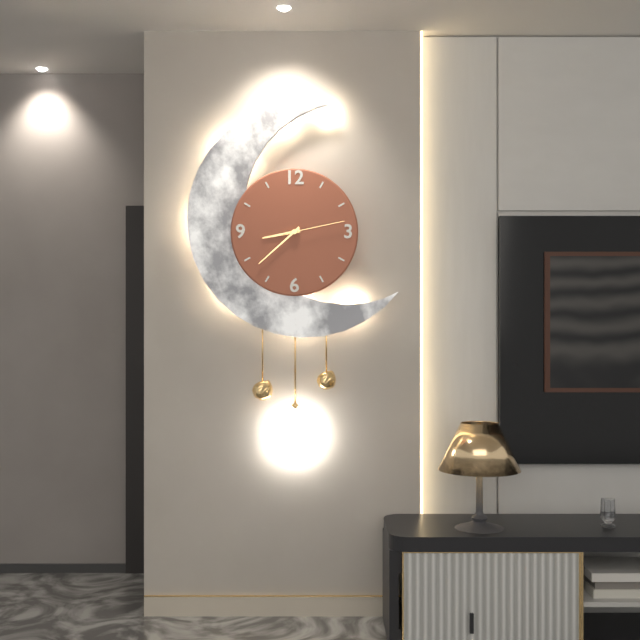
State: h=8 m=38 s=13
